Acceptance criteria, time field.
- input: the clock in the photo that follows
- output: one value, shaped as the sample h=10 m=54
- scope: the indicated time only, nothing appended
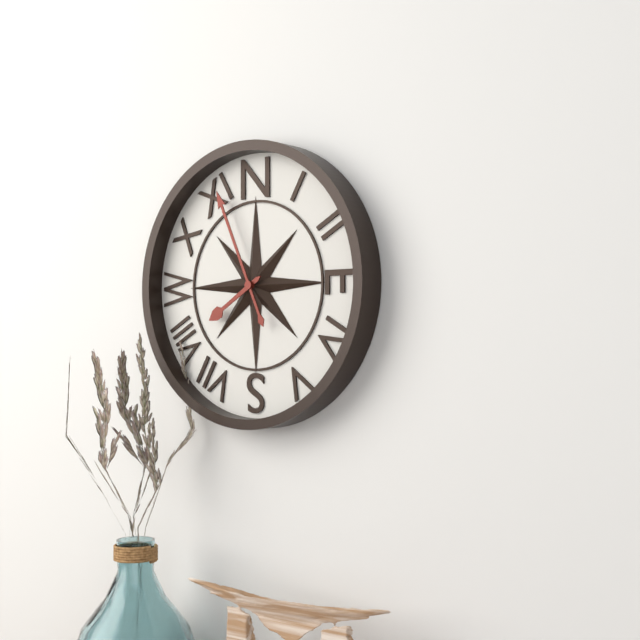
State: h=7 m=56
